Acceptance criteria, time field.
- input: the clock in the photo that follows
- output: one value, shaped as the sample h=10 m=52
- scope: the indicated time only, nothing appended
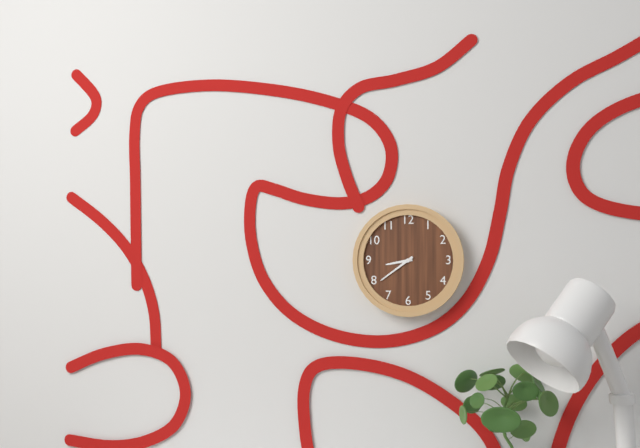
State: h=8 m=39
